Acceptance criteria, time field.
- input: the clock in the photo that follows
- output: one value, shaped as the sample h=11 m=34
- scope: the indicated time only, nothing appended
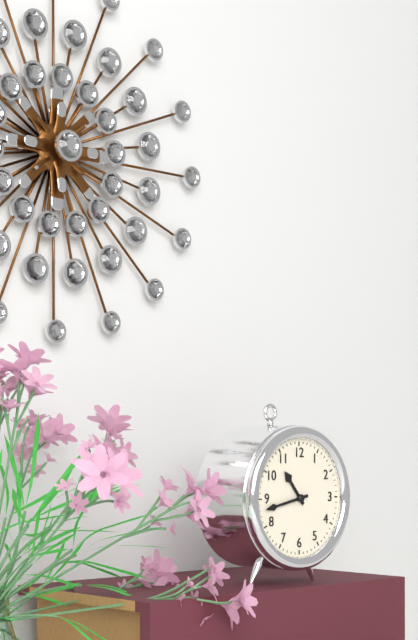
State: h=10 m=43
